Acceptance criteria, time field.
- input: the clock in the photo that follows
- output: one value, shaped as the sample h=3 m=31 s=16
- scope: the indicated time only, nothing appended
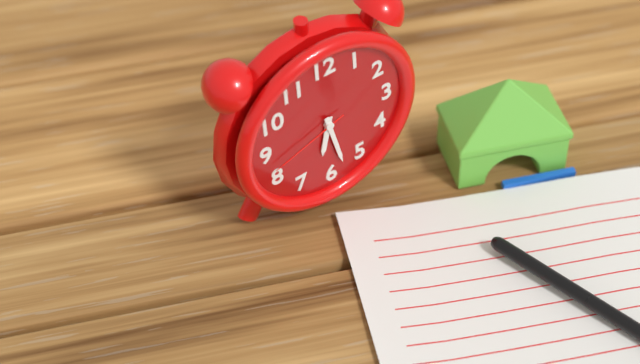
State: h=6 m=28 s=42
